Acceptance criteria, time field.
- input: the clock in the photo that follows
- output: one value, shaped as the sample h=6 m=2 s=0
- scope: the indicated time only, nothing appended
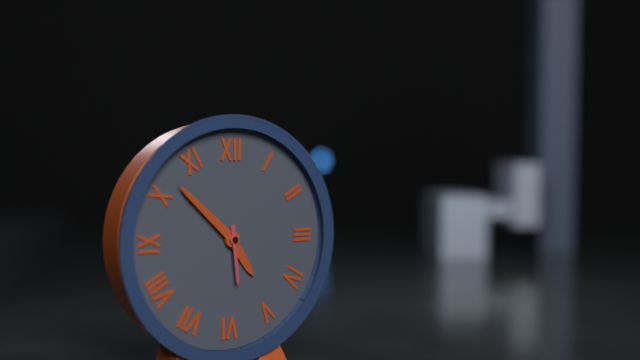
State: h=4 m=52 s=29
